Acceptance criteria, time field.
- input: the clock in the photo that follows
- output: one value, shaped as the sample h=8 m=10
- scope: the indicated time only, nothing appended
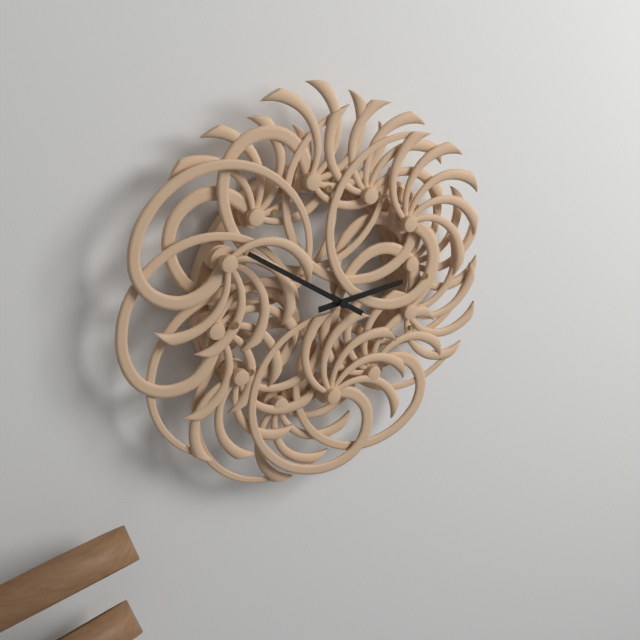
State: h=2 m=51
